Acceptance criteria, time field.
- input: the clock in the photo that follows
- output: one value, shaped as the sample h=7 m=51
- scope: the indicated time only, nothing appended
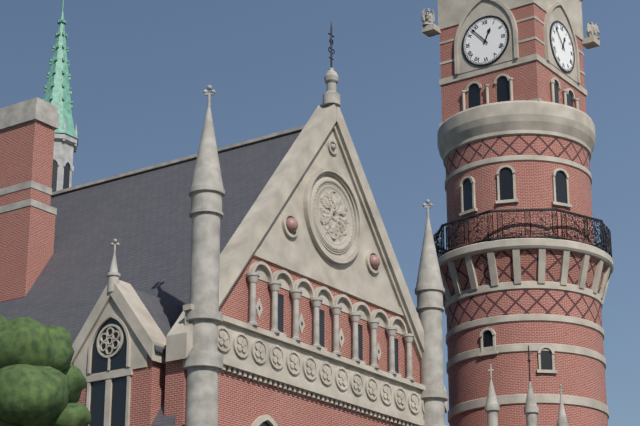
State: h=12 m=53
